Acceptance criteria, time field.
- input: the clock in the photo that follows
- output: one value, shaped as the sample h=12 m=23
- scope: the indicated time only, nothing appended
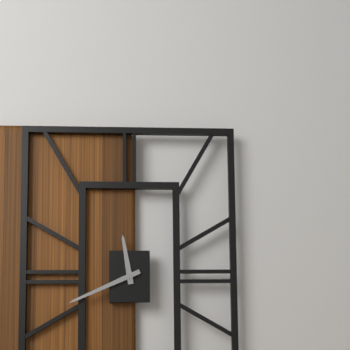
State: h=11 m=41
